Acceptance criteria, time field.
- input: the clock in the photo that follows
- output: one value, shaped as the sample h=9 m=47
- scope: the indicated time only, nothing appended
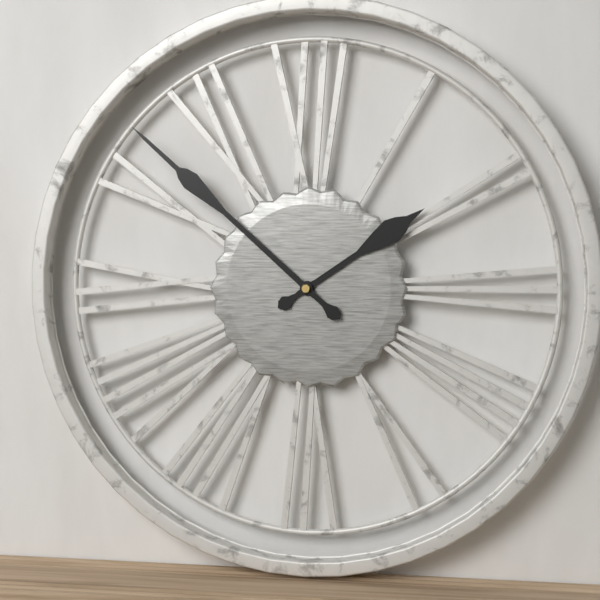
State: h=1 m=52
